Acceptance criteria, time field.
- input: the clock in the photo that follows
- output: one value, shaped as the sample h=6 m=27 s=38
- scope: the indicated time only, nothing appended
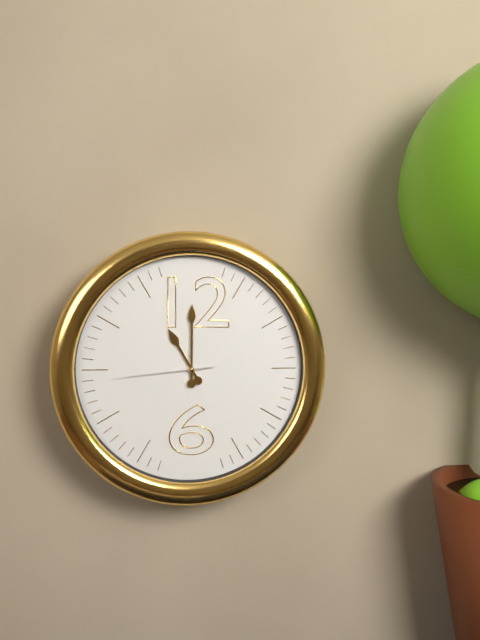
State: h=11 m=0 s=44
